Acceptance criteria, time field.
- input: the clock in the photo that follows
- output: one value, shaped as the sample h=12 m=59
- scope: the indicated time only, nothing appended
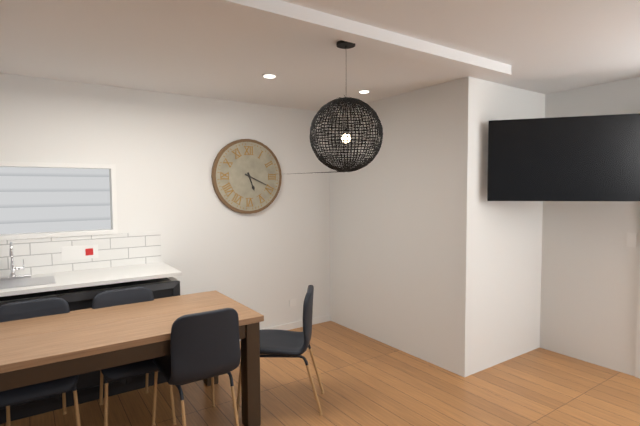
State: h=5 m=19
